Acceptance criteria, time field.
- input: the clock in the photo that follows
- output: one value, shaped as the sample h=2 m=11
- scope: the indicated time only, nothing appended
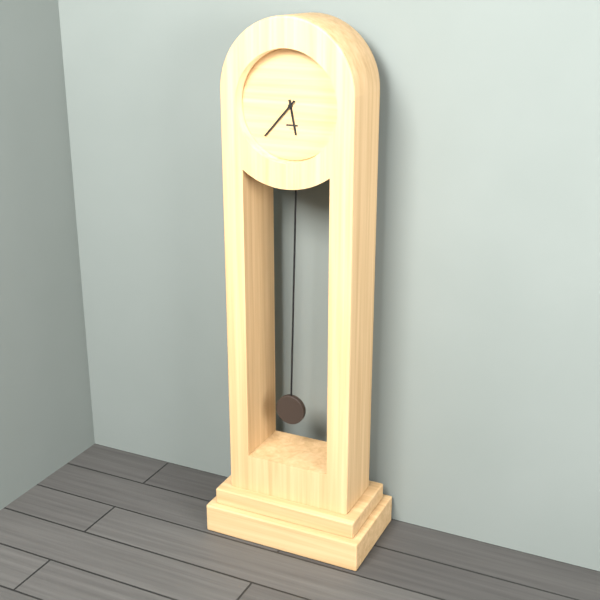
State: h=5 m=37
